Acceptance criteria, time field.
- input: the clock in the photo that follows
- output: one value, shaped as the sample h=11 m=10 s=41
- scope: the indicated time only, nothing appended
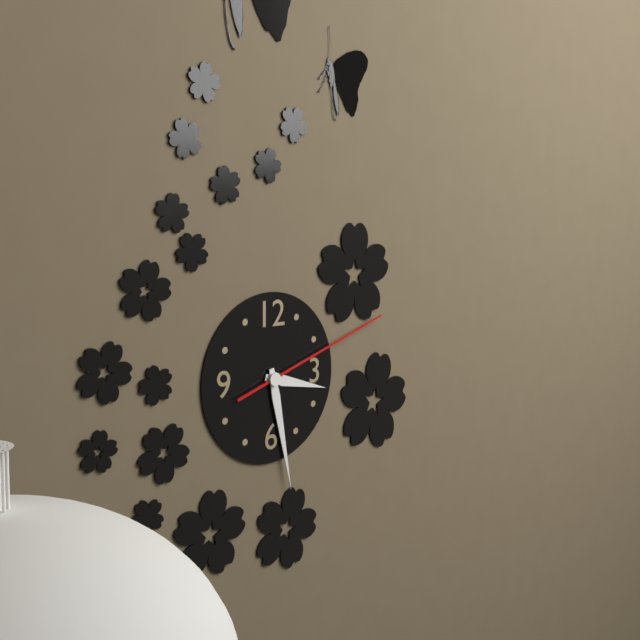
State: h=3 m=28 s=12
